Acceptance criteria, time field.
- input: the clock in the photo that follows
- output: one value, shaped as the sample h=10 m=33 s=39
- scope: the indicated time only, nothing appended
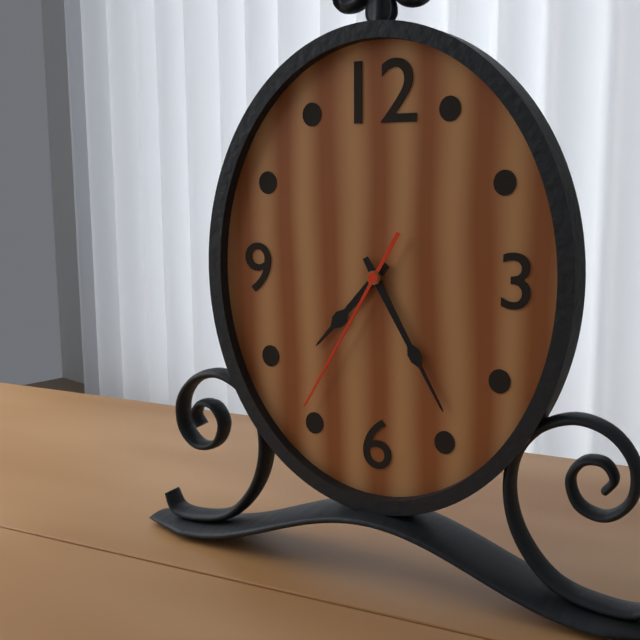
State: h=7 m=25 s=35
